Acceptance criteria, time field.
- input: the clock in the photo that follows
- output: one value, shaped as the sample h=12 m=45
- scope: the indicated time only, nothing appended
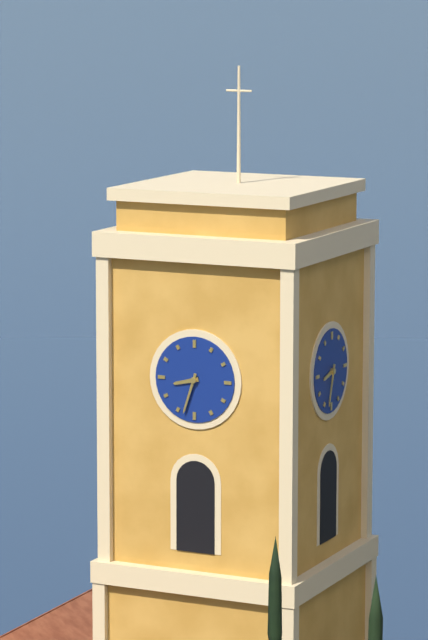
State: h=8 m=33
